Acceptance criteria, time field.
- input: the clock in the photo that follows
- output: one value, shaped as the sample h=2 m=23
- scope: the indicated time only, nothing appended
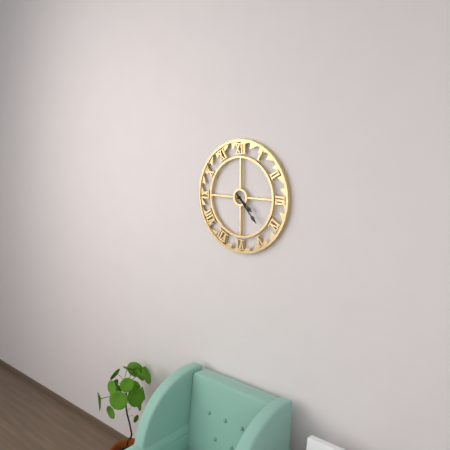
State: h=4 m=23
